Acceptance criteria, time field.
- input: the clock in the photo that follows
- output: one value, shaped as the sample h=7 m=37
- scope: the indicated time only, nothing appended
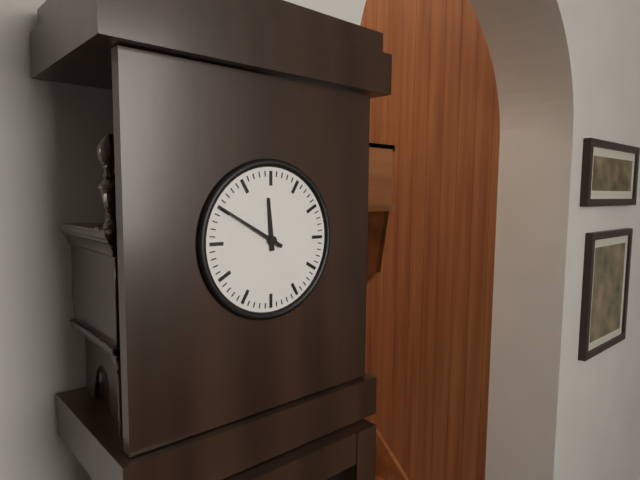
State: h=11 m=50
